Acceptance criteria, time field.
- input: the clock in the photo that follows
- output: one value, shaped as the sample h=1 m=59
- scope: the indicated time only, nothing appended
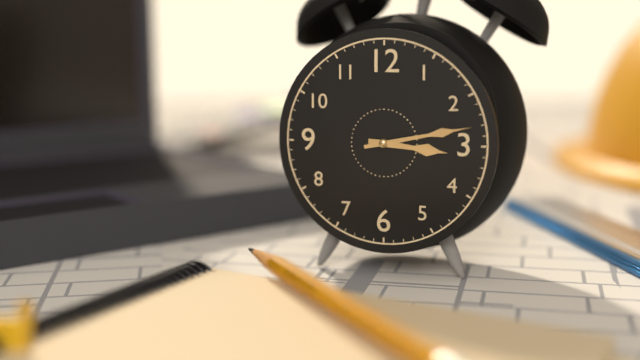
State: h=3 m=13
